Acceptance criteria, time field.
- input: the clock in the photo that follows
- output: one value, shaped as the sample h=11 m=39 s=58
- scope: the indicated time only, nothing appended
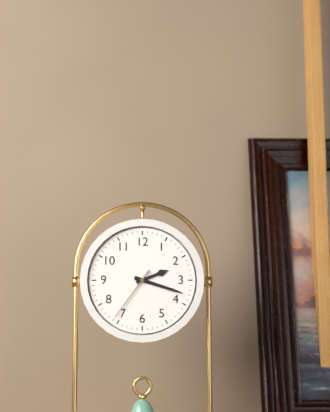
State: h=2 m=18 s=36
